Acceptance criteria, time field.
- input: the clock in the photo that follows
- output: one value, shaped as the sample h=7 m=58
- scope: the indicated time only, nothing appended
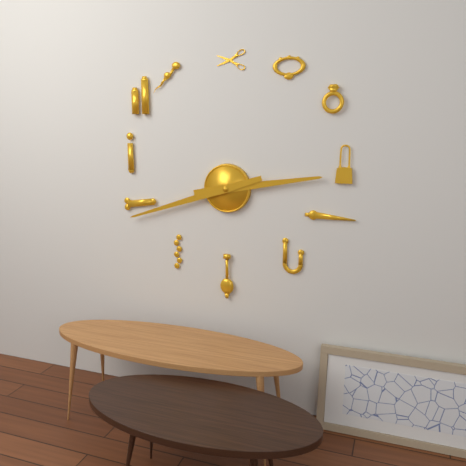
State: h=2 m=42
